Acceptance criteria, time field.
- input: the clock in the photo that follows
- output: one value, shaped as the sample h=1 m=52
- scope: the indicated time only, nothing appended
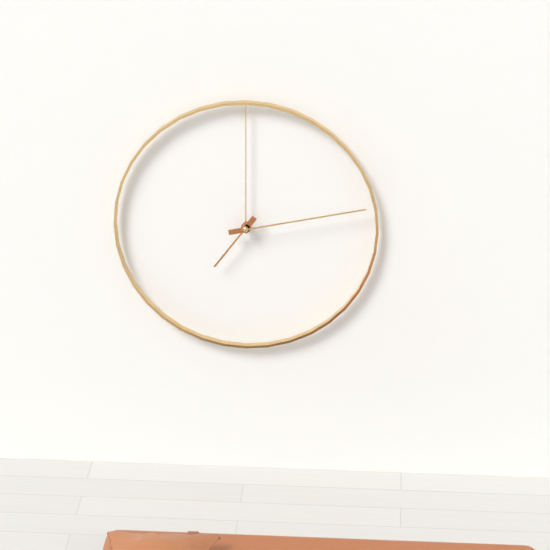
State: h=7 m=13
